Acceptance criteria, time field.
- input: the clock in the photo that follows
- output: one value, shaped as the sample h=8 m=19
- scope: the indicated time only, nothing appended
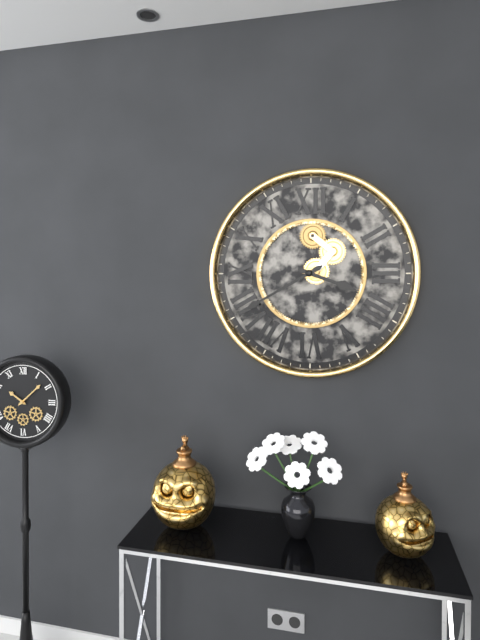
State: h=3 m=40
